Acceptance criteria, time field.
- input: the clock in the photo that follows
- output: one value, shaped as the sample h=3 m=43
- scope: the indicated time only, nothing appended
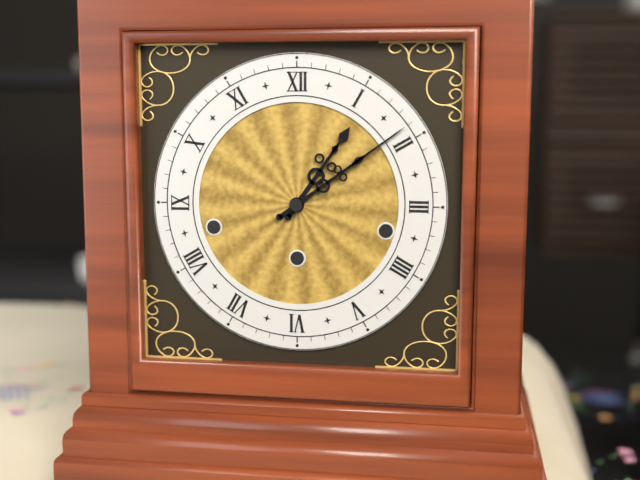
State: h=1 m=9
